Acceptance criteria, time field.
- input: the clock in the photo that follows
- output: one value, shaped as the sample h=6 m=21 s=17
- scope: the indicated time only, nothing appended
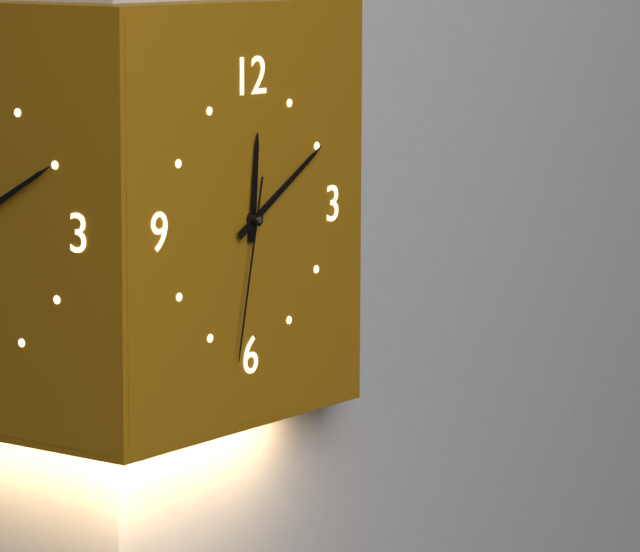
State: h=12 m=10 s=32
